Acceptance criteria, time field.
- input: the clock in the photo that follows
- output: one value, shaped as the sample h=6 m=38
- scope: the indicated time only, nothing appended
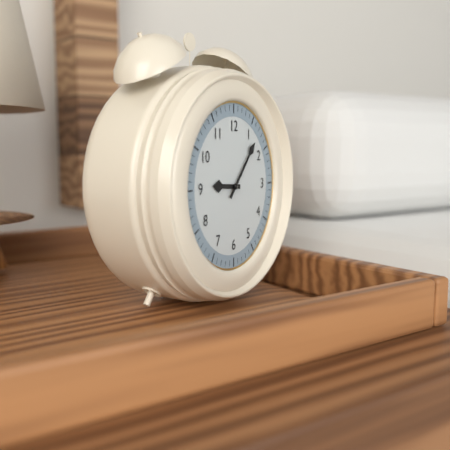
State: h=9 m=7
